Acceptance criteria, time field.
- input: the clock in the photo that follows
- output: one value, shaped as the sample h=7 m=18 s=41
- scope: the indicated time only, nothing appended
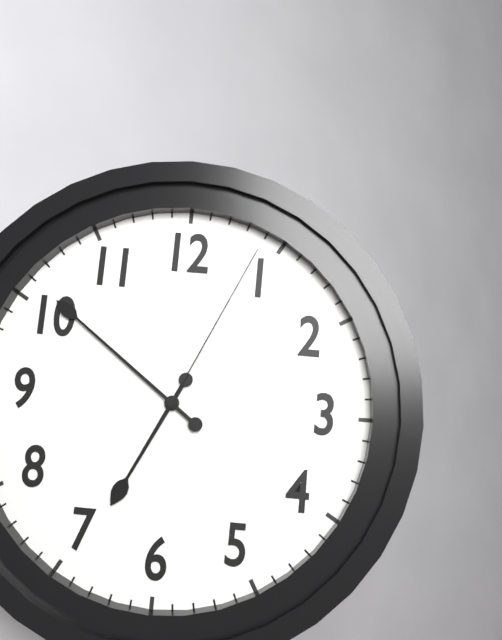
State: h=6 m=51 s=4
